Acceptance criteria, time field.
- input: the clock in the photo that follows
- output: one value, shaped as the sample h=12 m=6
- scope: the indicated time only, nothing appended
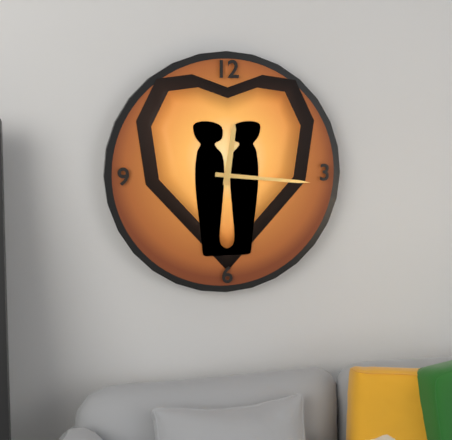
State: h=12 m=16
